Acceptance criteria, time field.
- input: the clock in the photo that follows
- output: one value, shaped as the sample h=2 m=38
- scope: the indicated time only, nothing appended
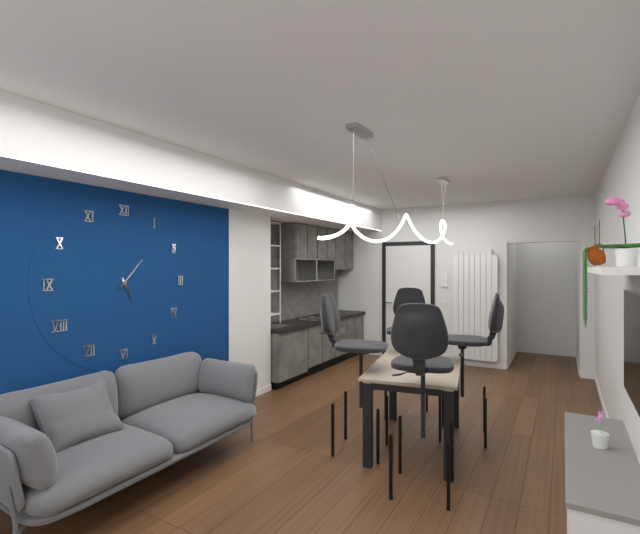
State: h=5 m=7
